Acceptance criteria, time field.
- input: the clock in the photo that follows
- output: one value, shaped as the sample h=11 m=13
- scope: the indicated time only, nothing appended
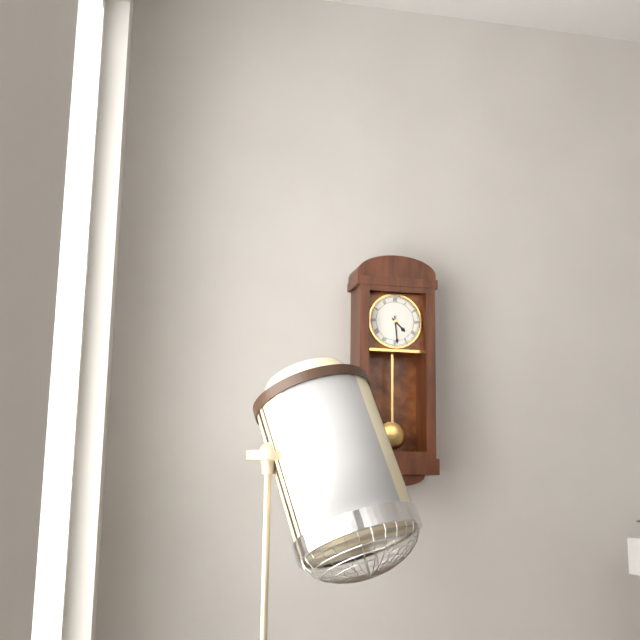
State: h=4 m=29
